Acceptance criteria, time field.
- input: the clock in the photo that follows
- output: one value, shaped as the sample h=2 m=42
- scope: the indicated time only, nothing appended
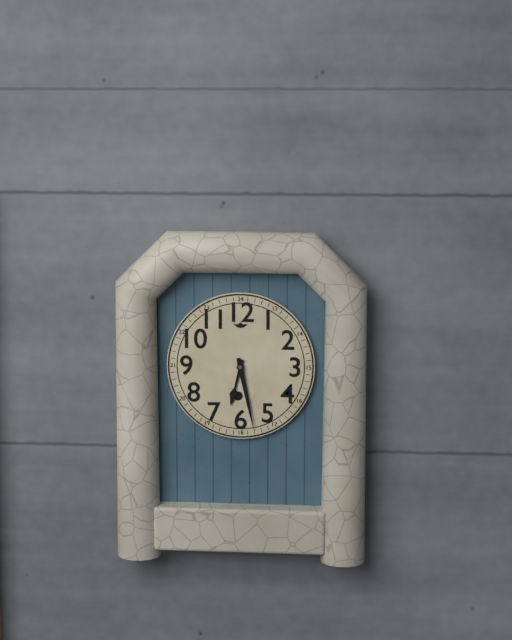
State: h=6 m=28
